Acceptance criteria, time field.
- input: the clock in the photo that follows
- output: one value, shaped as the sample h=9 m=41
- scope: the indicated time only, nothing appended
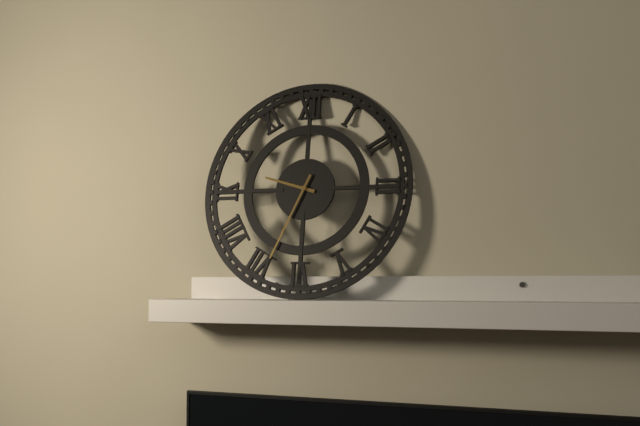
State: h=9 m=34
